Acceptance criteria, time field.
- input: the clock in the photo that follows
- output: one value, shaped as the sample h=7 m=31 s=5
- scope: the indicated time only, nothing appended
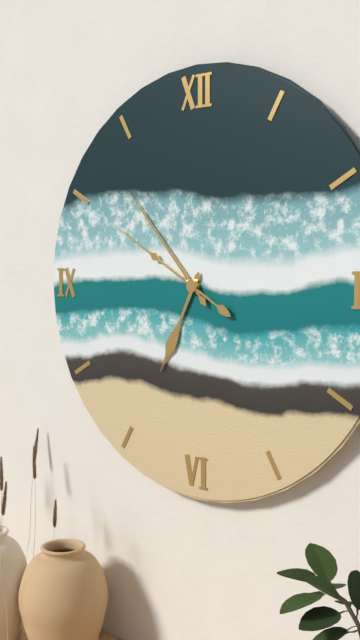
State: h=6 m=53 s=50
